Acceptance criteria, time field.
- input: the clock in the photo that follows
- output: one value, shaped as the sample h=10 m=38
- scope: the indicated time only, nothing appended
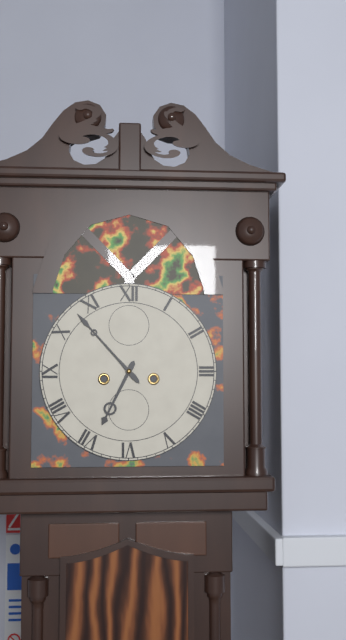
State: h=6 m=53
